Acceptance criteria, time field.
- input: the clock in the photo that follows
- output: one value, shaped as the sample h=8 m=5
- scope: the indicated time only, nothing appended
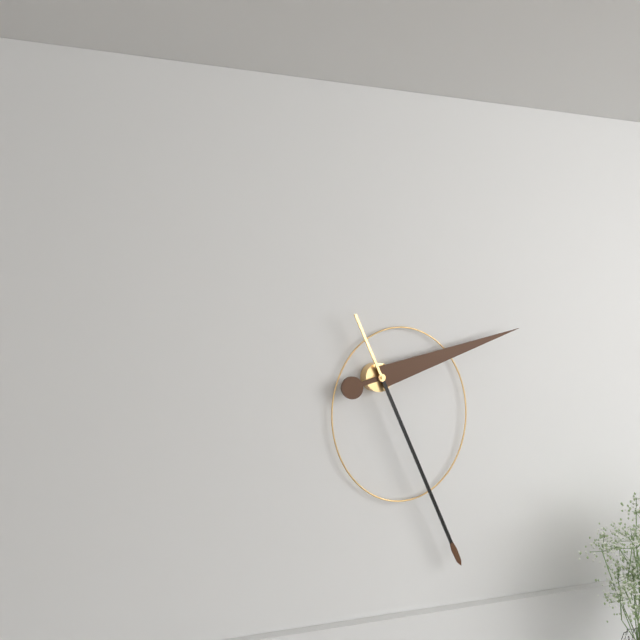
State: h=2 m=26
